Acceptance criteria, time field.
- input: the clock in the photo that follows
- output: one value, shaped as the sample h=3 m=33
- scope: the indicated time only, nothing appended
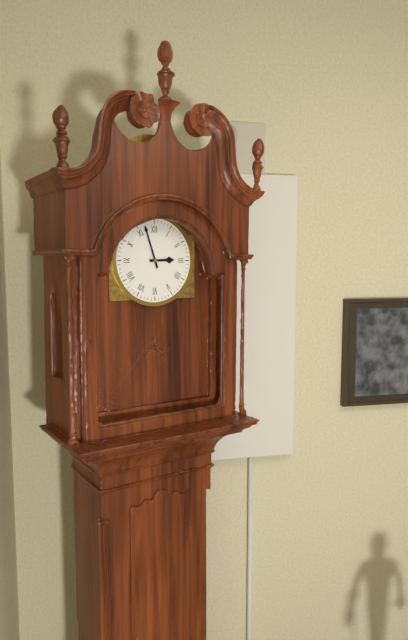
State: h=2 m=57
